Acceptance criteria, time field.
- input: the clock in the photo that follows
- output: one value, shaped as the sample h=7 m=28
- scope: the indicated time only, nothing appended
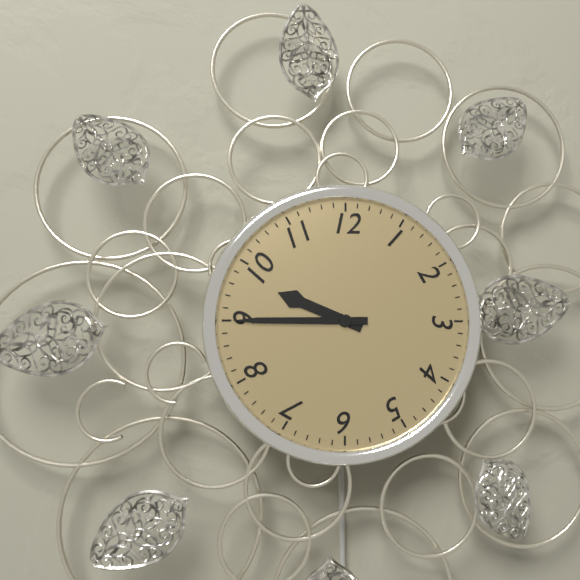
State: h=9 m=45
